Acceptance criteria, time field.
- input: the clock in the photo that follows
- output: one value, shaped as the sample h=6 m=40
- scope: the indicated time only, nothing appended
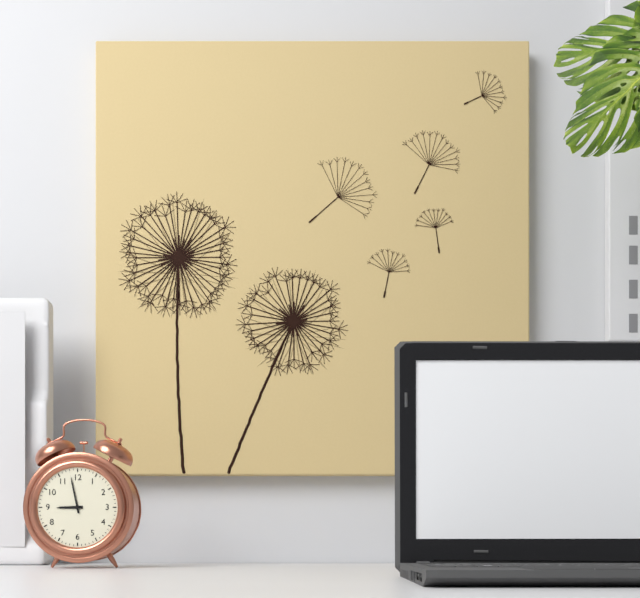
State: h=8 m=58
